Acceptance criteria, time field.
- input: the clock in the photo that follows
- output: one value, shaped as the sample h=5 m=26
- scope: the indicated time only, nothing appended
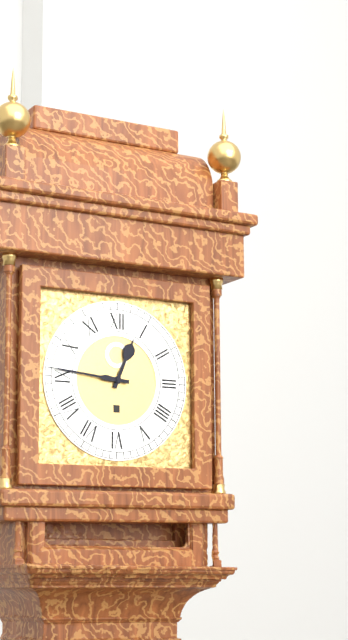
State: h=12 m=46
